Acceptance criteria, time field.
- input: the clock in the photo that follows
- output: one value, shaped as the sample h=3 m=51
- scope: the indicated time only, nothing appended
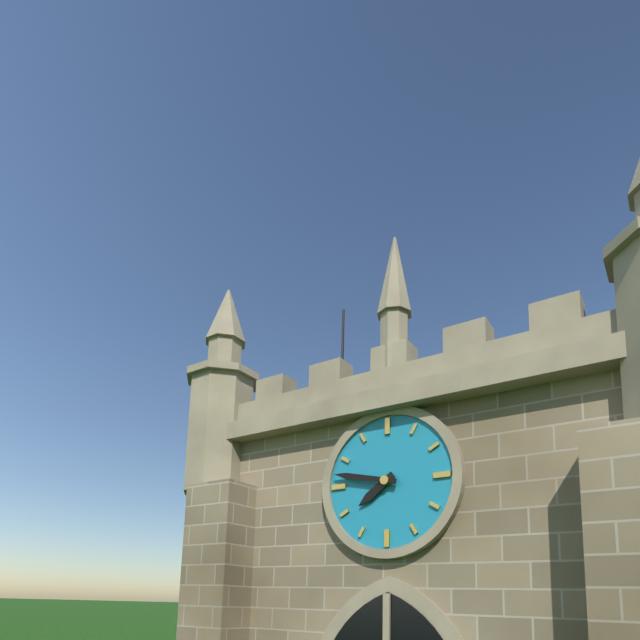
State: h=7 m=47
